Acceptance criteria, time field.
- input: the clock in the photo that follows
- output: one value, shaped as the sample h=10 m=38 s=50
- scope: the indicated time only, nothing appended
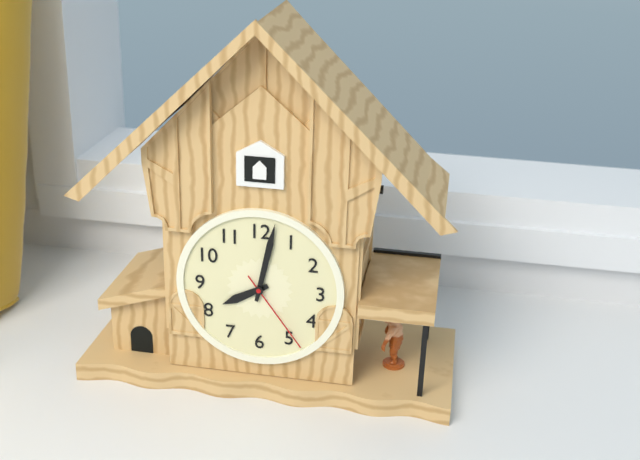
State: h=8 m=2 s=24
